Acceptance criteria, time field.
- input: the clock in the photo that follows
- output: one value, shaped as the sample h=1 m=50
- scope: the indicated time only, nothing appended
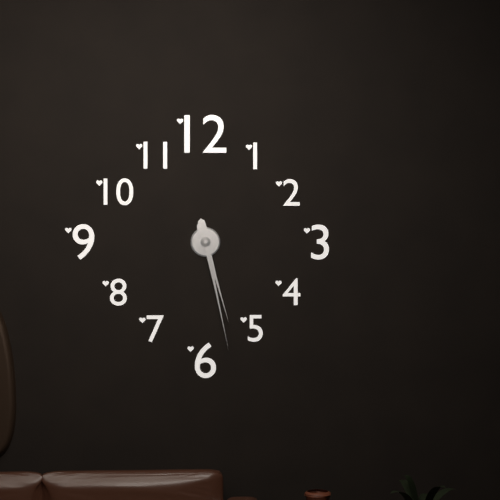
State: h=5 m=28
